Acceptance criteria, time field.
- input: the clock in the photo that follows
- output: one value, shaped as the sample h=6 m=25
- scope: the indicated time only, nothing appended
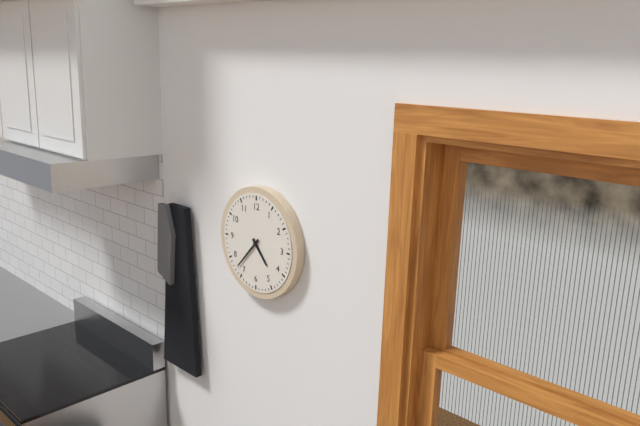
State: h=4 m=37
